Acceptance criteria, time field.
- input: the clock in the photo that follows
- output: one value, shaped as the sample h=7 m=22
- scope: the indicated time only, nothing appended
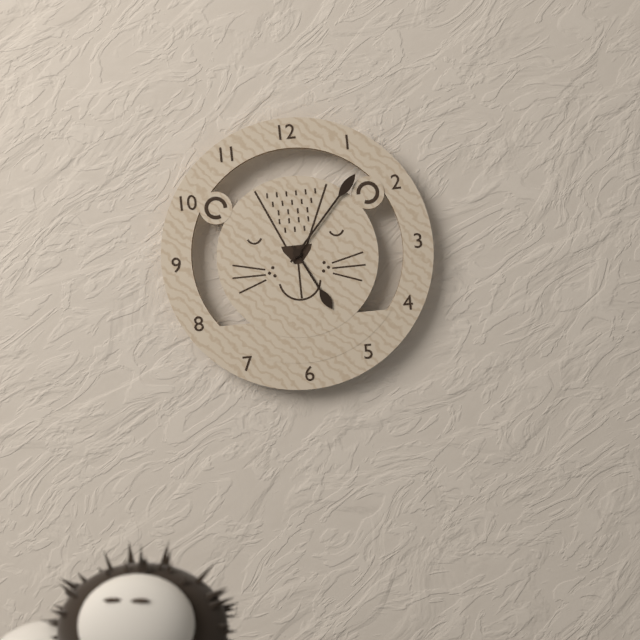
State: h=5 m=7
